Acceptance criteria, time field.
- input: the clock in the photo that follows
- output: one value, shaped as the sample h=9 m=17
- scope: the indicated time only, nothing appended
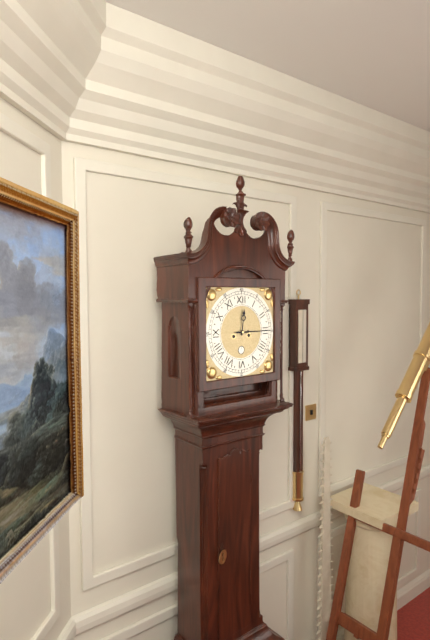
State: h=12 m=15
